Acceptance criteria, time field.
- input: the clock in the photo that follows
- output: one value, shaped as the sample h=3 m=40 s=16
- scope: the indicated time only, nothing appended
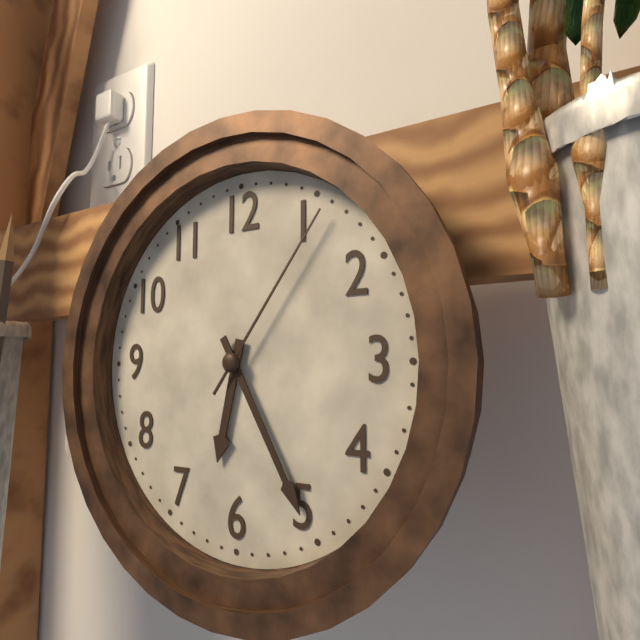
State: h=6 m=25 s=6
